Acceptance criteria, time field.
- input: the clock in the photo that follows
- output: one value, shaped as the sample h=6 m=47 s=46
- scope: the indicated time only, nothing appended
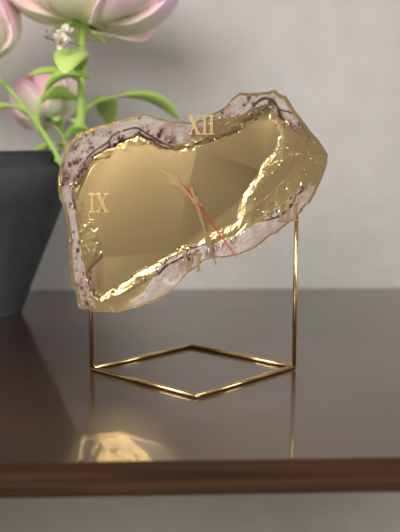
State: h=10 m=27 s=24
